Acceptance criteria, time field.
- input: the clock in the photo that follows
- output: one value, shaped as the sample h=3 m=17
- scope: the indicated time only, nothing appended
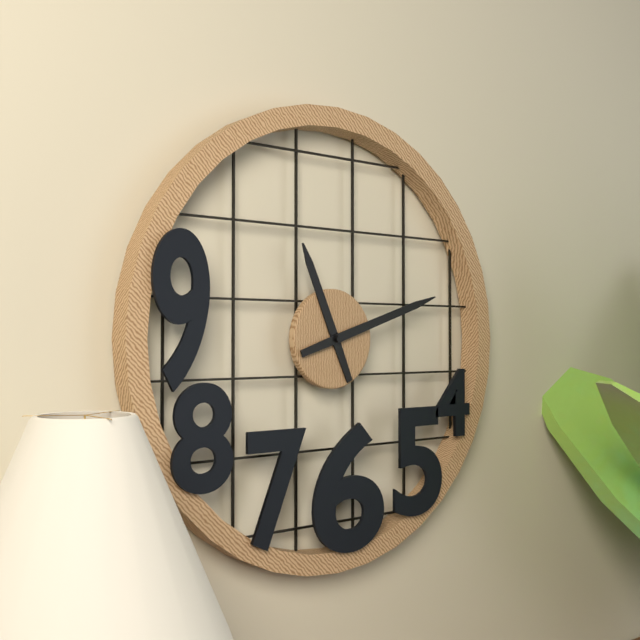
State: h=11 m=12
